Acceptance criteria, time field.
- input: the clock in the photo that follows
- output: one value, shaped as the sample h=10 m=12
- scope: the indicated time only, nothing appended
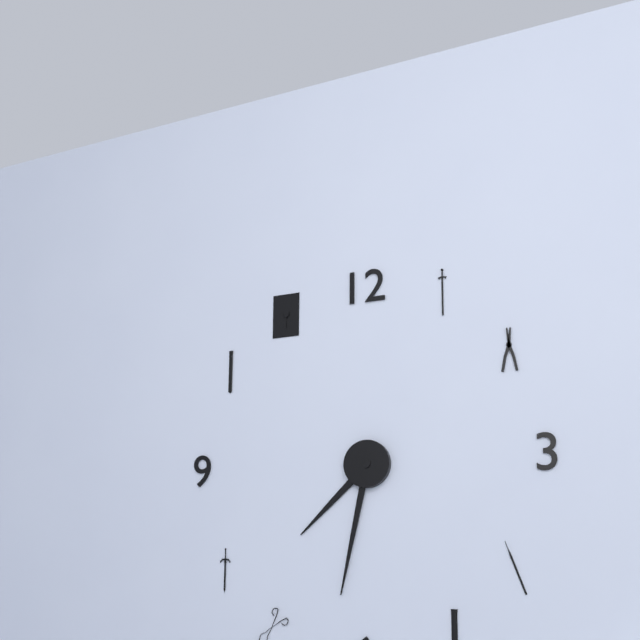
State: h=7 m=32
